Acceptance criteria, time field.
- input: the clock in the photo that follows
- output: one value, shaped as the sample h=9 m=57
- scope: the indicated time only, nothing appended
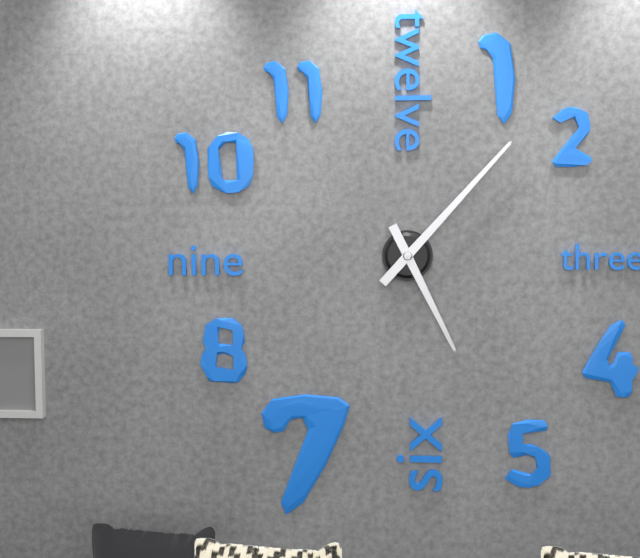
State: h=5 m=7
